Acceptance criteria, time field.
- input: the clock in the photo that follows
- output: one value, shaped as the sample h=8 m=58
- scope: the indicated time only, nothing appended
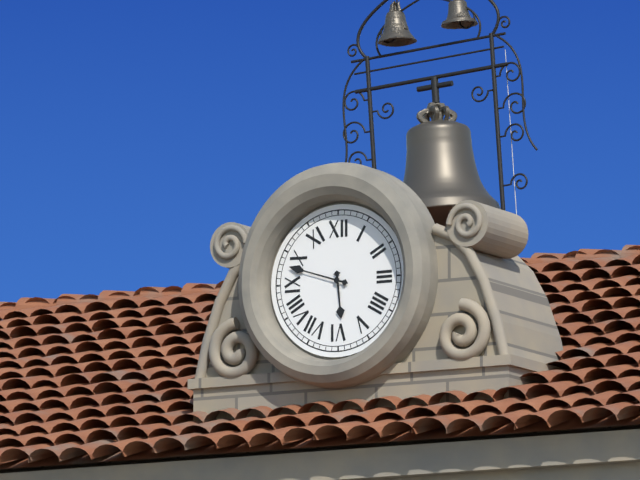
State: h=5 m=48
